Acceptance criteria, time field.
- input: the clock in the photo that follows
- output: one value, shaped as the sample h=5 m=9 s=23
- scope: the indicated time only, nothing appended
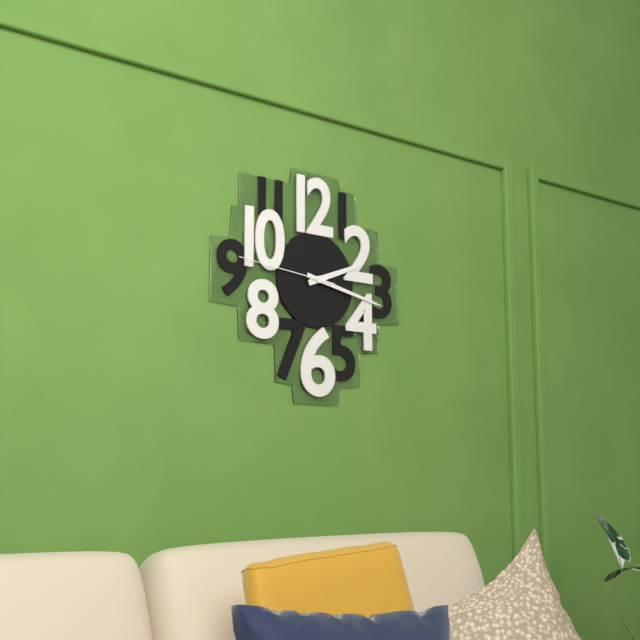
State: h=2 m=17 s=46
